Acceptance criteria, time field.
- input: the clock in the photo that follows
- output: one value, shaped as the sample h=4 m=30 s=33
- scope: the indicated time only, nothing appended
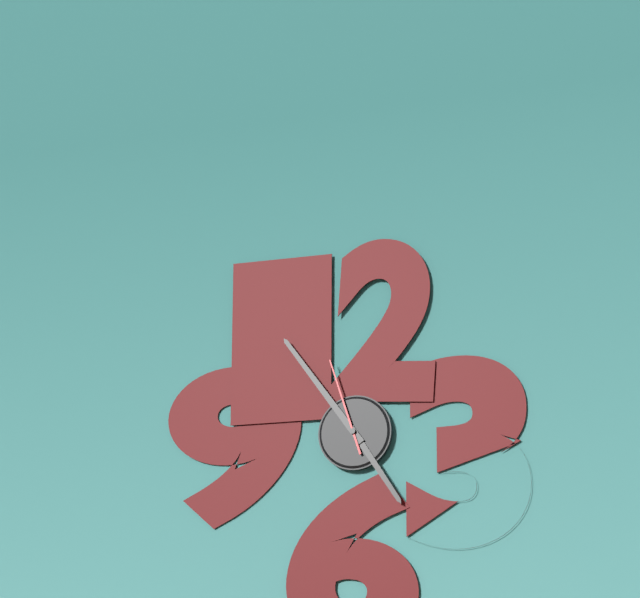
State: h=4 m=54 s=57
